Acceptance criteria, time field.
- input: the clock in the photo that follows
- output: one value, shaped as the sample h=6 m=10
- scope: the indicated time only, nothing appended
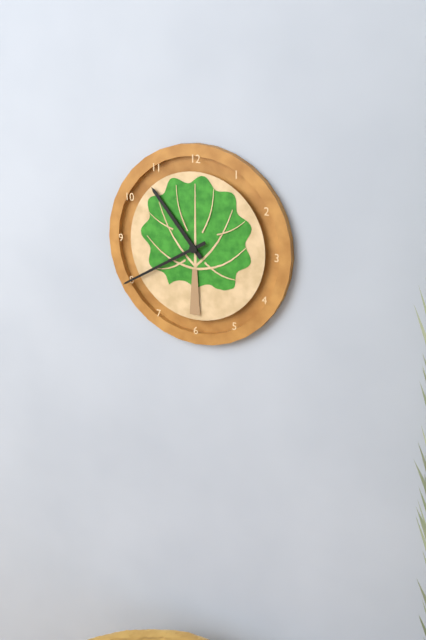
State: h=10 m=40
